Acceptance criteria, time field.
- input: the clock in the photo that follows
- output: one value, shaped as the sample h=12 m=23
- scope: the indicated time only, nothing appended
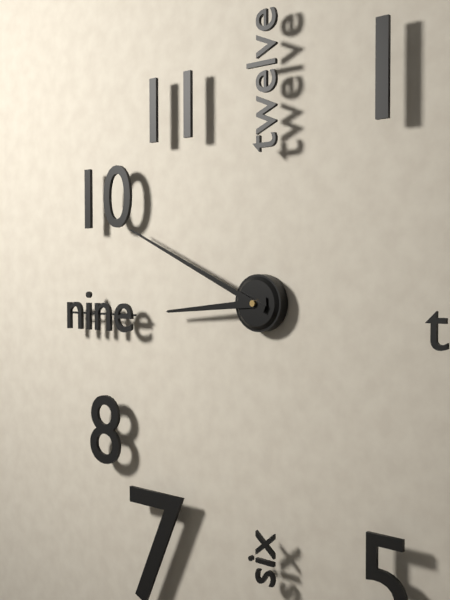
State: h=8 m=49
